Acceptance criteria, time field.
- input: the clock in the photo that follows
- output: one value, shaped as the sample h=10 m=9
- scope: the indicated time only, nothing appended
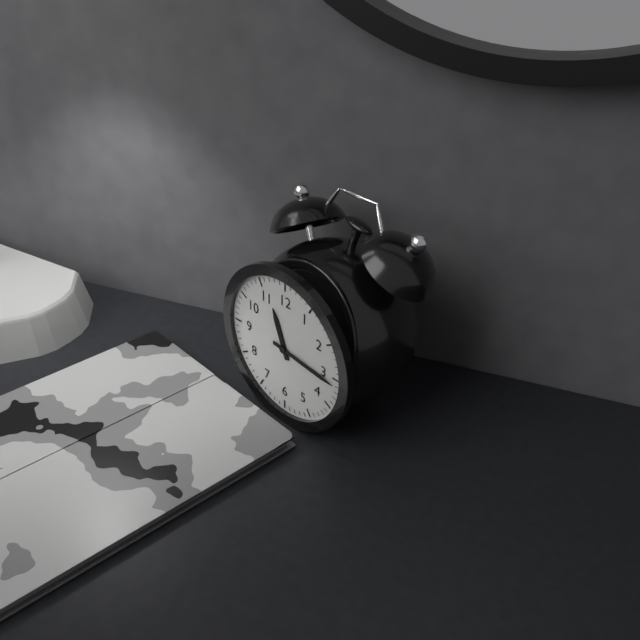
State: h=11 m=16
